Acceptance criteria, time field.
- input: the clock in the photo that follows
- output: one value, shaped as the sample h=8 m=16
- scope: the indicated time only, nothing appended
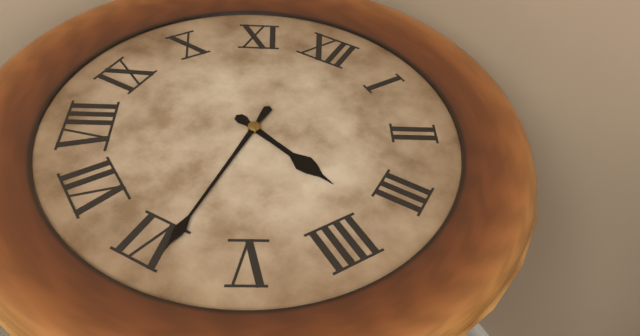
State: h=3 m=29
